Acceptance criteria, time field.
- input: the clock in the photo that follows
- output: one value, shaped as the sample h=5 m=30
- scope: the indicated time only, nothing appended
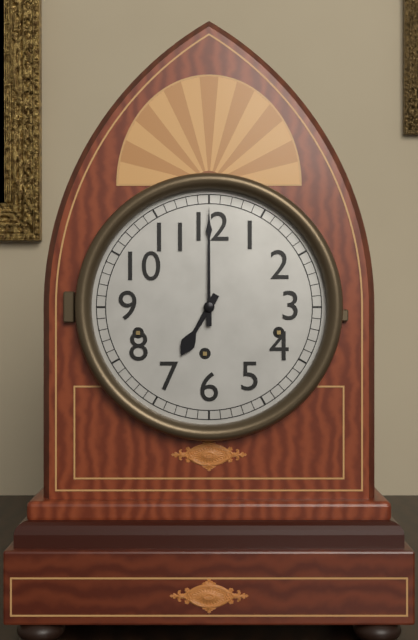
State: h=7 m=0
